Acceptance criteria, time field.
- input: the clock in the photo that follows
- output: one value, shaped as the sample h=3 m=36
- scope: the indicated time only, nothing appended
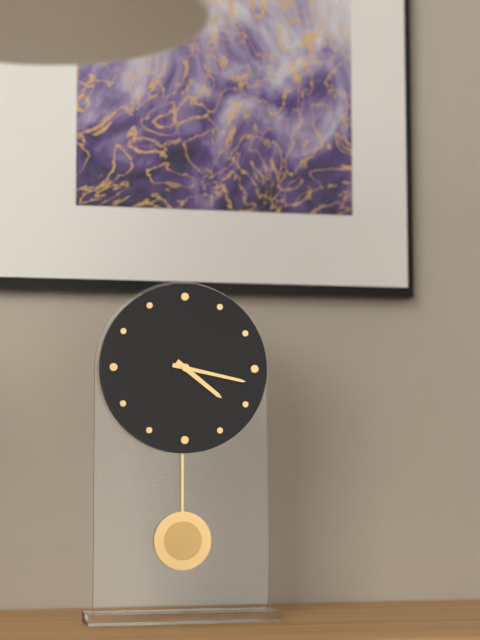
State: h=4 m=17
